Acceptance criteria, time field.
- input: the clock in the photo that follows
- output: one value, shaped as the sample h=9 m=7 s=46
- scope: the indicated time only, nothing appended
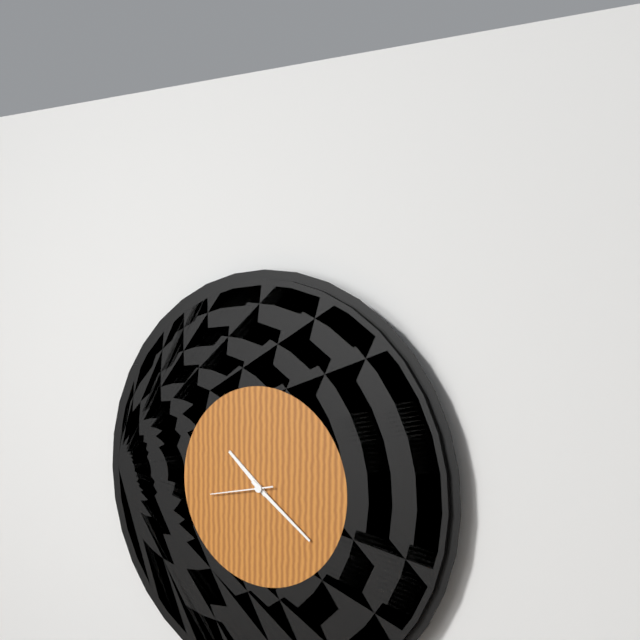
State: h=10 m=21 s=43
